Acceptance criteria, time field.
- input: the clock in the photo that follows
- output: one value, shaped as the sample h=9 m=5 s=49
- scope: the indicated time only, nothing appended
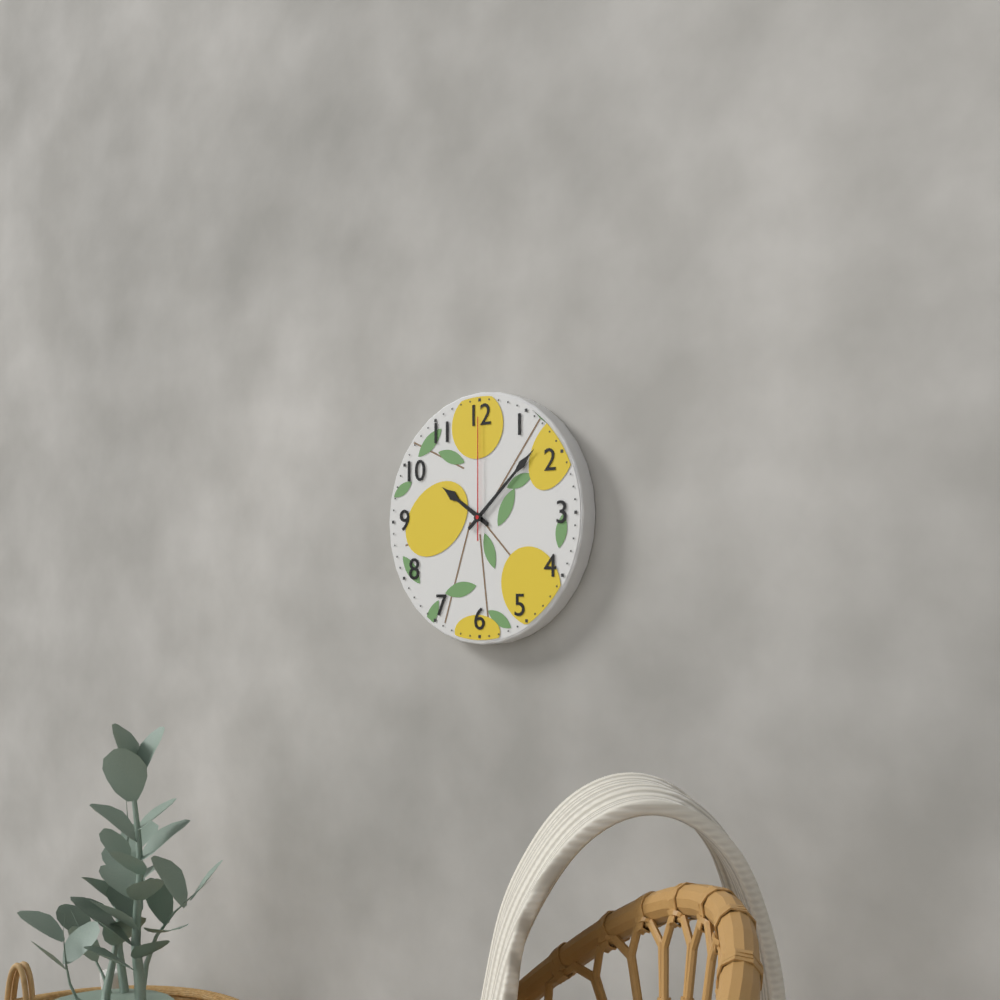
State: h=10 m=8 s=0
